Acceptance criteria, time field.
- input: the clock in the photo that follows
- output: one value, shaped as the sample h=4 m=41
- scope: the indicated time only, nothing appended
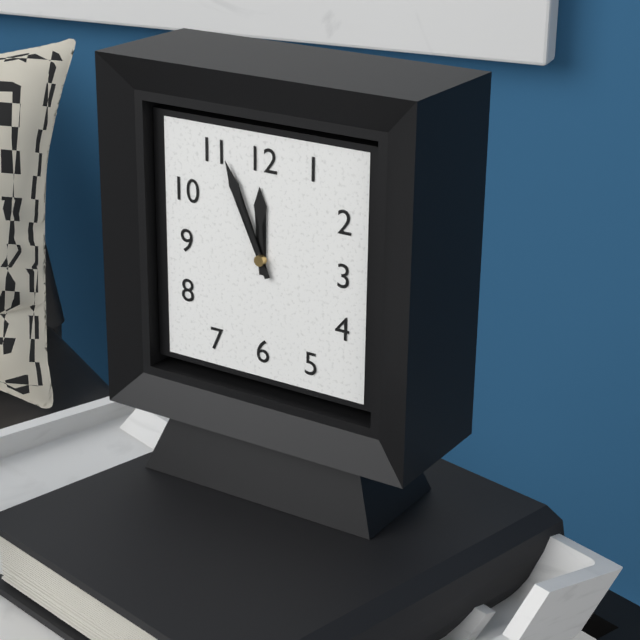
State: h=11 m=56
